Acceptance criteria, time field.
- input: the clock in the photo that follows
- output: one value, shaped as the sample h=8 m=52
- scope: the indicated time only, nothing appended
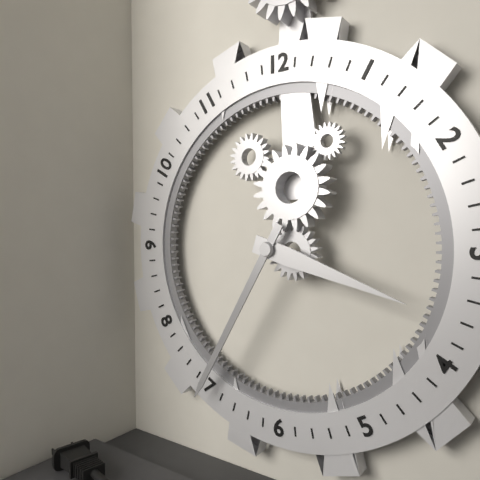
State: h=3 m=35
